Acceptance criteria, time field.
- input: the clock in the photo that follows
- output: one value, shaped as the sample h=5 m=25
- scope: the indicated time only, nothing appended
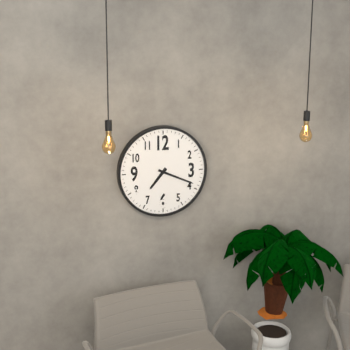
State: h=7 m=19
